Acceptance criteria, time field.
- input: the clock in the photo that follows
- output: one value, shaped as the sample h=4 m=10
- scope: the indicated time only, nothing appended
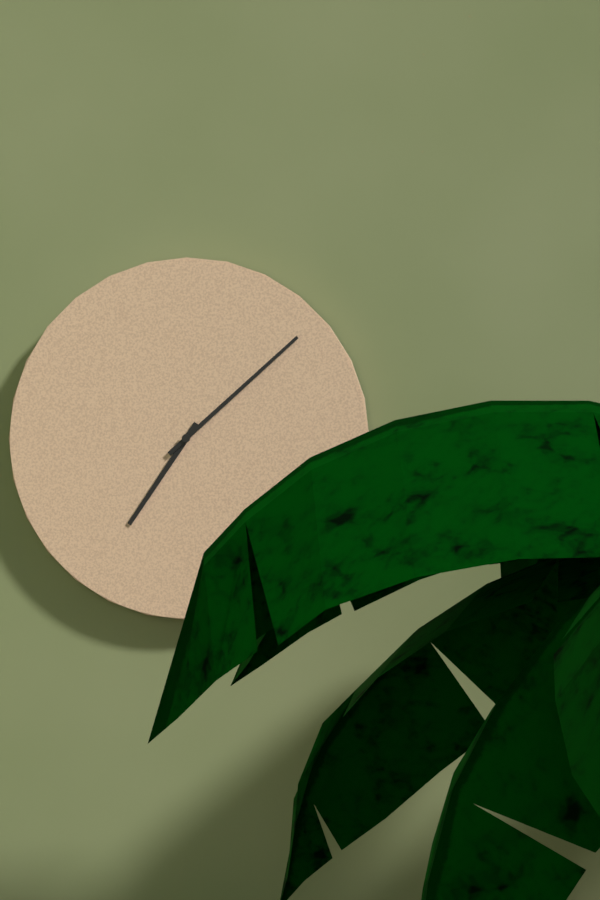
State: h=7 m=8
